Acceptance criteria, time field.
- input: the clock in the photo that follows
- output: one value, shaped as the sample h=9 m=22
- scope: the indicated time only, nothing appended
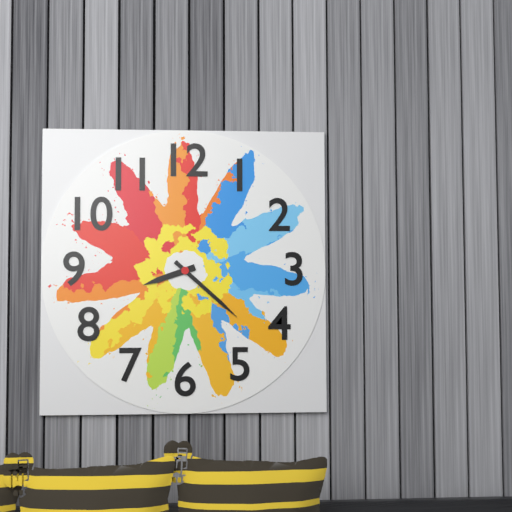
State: h=8 m=22
